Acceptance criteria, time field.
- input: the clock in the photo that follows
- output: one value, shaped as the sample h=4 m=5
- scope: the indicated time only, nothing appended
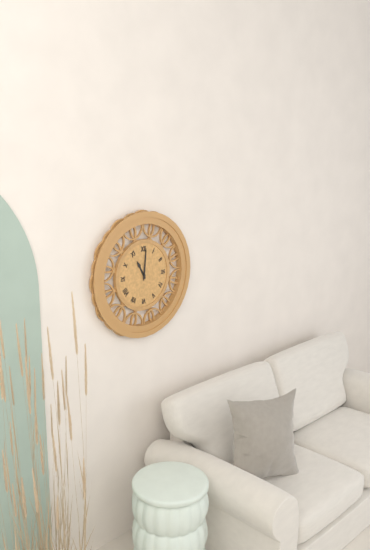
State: h=11 m=1
